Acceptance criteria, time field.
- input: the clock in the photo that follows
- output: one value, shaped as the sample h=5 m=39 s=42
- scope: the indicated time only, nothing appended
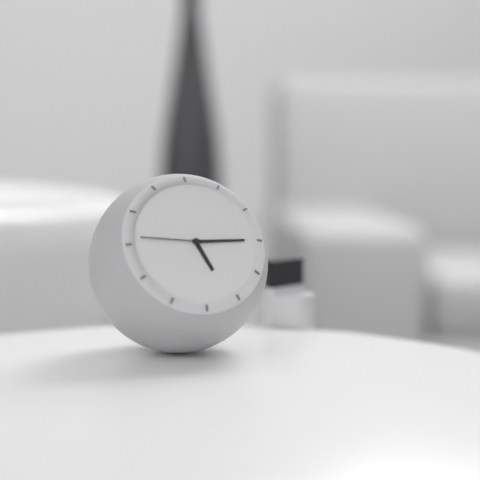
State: h=5 m=15 s=46
